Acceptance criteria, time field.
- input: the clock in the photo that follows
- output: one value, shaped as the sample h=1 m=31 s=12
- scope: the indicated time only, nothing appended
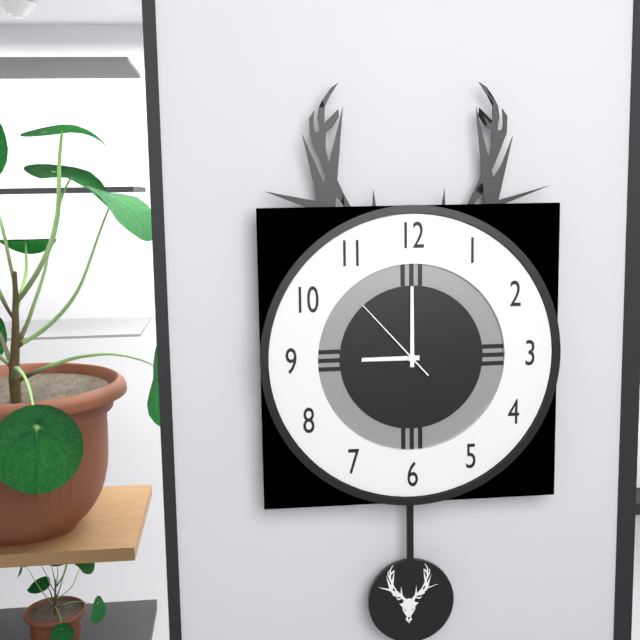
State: h=9 m=0 s=53
